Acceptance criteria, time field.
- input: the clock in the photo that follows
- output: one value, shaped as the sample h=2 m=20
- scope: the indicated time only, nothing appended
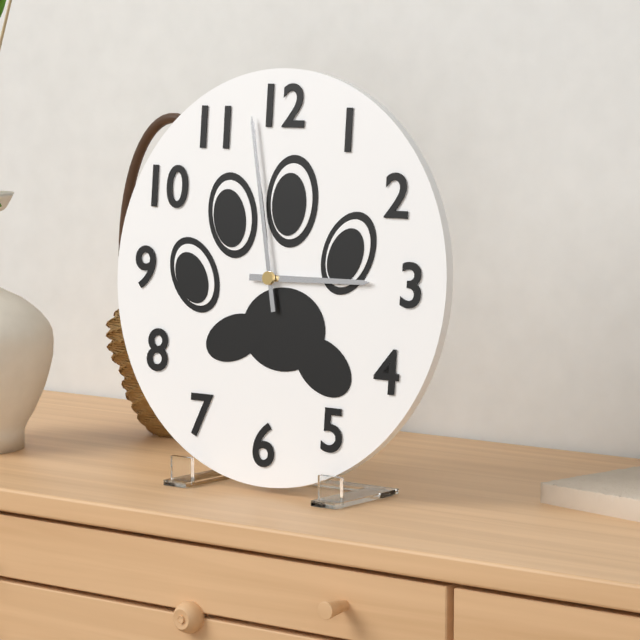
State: h=2 m=58
